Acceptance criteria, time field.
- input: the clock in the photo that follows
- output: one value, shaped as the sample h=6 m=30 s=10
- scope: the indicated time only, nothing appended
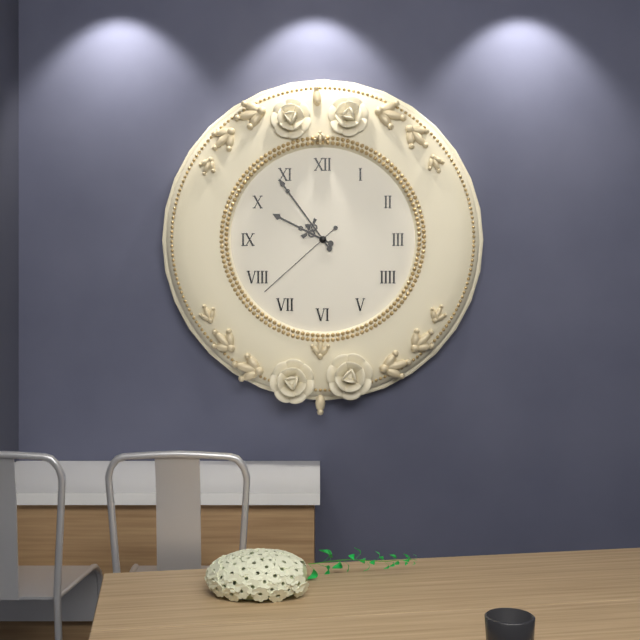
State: h=9 m=54 s=38
